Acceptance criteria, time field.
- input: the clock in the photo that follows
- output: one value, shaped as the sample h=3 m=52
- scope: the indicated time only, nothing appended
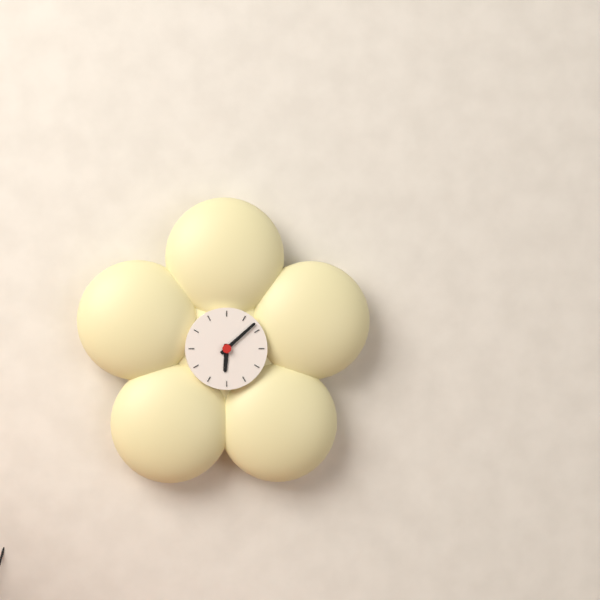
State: h=6 m=8
